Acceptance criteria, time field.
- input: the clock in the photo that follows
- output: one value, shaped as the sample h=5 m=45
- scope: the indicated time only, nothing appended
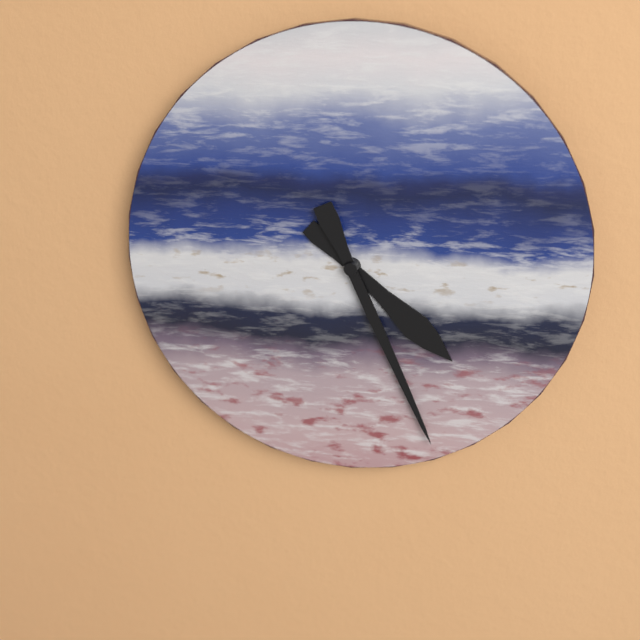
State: h=4 m=26
